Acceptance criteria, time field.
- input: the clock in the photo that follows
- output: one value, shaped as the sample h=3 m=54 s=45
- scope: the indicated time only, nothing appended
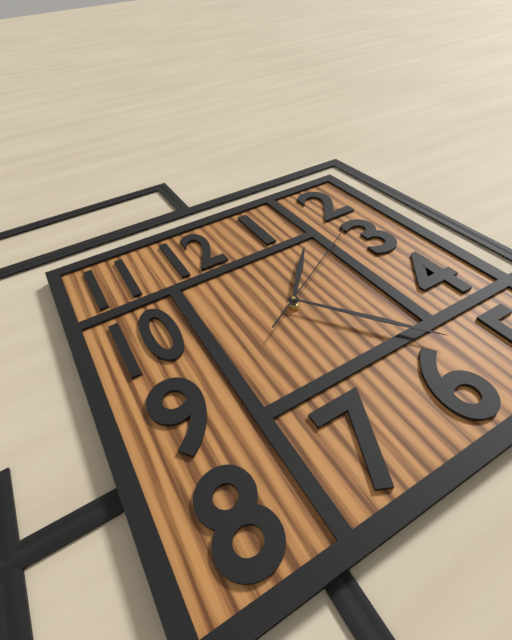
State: h=1 m=24 s=10
